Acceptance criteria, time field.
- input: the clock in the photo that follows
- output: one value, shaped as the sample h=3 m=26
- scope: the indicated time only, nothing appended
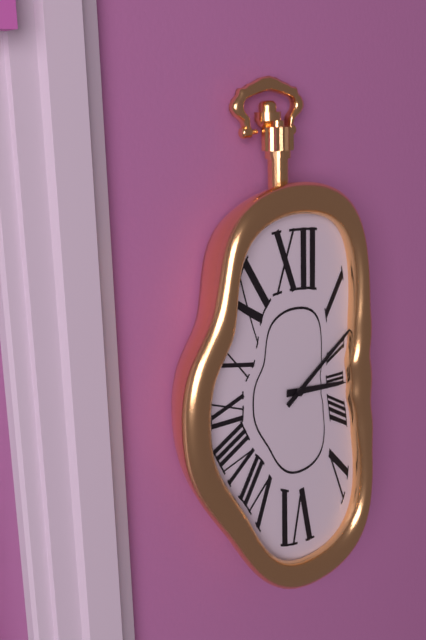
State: h=3 m=9
